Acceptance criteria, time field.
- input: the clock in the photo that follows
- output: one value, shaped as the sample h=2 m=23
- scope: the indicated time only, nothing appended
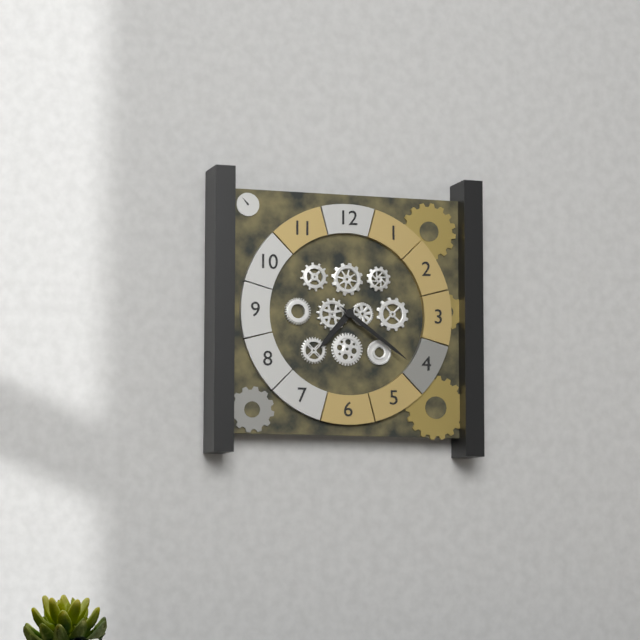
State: h=7 m=21
